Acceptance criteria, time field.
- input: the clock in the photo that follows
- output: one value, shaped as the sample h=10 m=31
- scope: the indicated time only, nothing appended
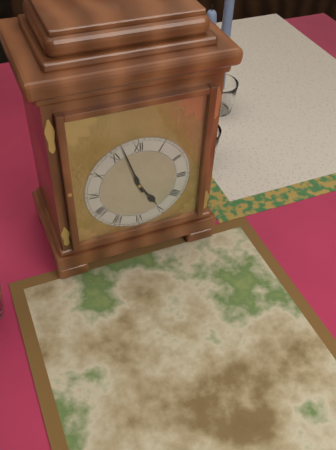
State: h=4 m=57
